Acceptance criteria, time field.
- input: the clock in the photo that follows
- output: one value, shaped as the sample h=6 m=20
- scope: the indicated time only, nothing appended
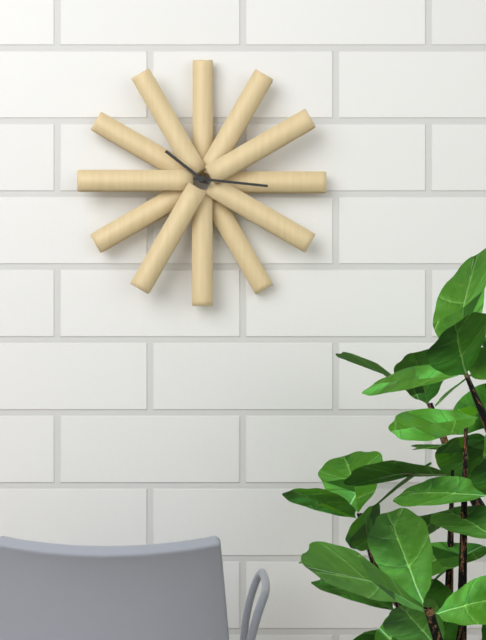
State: h=10 m=16
